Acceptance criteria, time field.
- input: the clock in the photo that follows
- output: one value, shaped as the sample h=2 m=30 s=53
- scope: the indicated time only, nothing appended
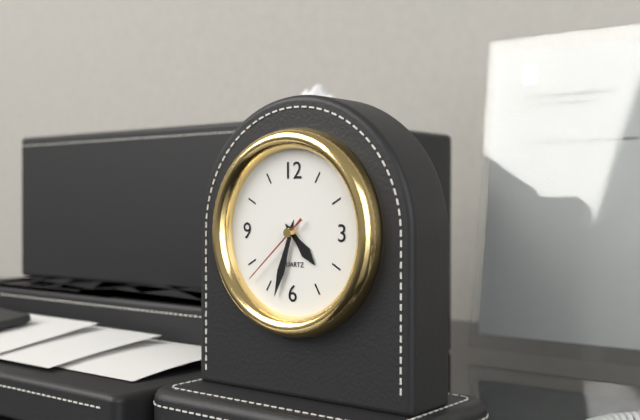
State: h=4 m=33 s=38
